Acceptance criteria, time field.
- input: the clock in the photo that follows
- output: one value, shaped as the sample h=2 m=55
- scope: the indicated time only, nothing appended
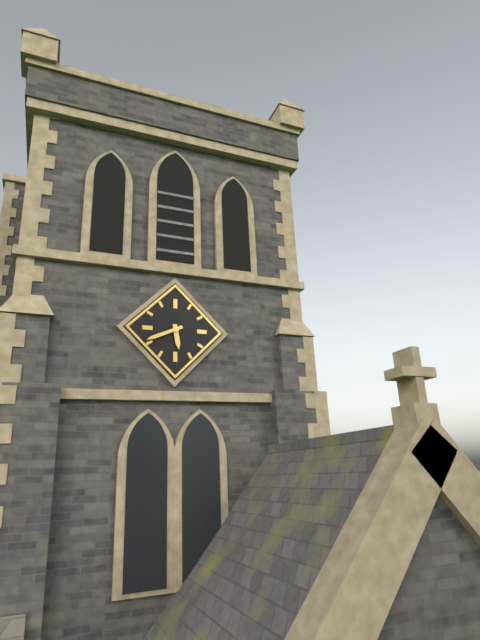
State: h=5 m=41
